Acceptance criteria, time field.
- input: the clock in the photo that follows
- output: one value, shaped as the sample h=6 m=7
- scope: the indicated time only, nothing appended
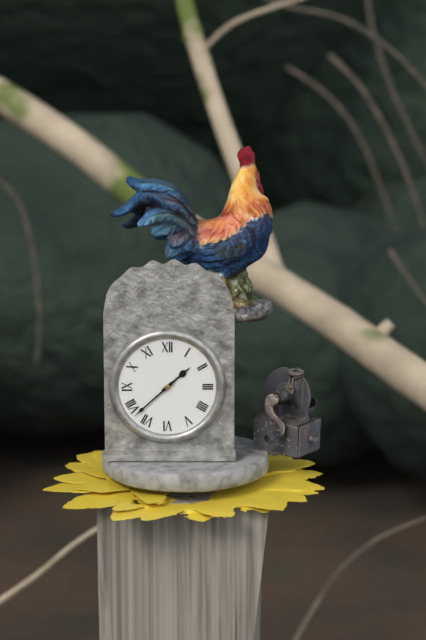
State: h=1 m=38
